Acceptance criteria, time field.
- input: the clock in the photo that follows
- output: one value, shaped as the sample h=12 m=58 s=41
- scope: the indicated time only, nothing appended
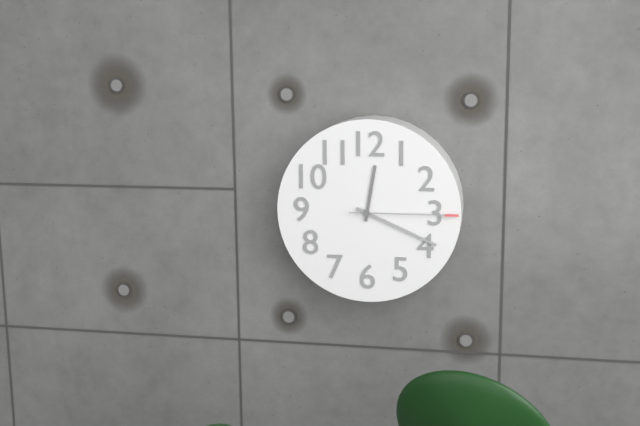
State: h=12 m=19 s=15
